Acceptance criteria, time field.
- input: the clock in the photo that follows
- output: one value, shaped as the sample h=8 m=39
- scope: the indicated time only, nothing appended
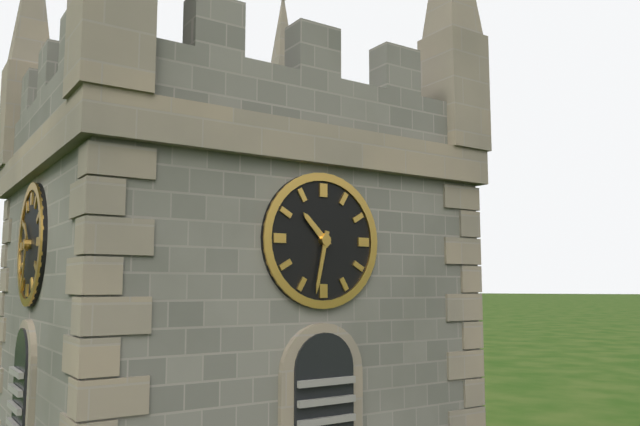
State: h=10 m=32
